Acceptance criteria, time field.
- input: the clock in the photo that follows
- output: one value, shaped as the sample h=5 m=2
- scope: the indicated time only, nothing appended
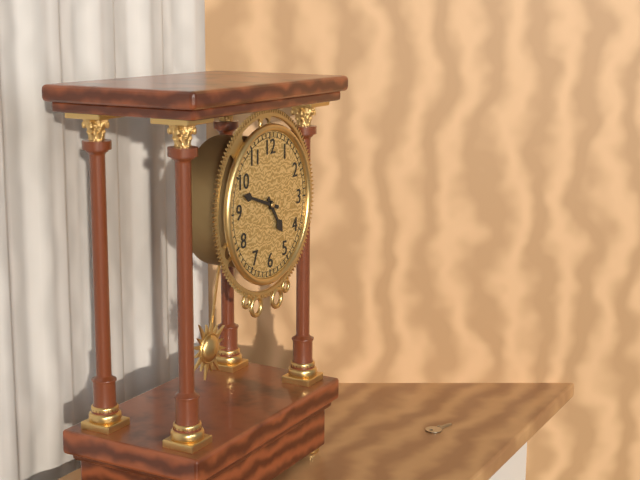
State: h=4 m=48
